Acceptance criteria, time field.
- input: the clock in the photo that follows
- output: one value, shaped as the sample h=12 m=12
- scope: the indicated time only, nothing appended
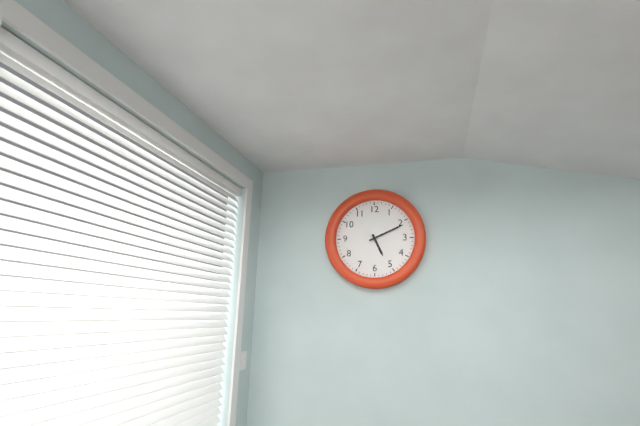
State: h=5 m=11
